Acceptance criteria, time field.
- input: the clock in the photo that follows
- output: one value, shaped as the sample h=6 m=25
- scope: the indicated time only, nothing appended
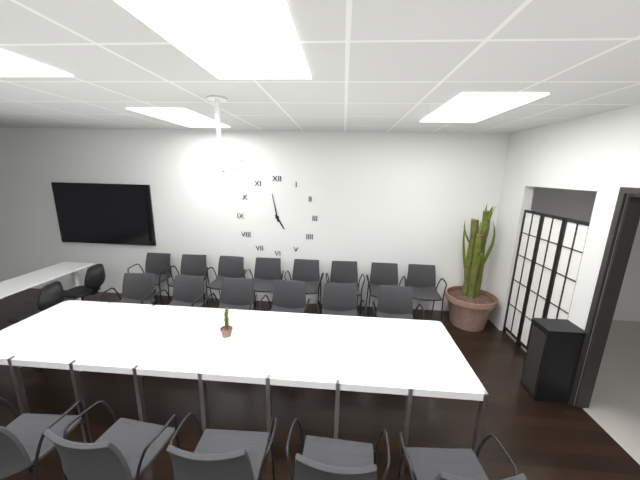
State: h=4 m=58
